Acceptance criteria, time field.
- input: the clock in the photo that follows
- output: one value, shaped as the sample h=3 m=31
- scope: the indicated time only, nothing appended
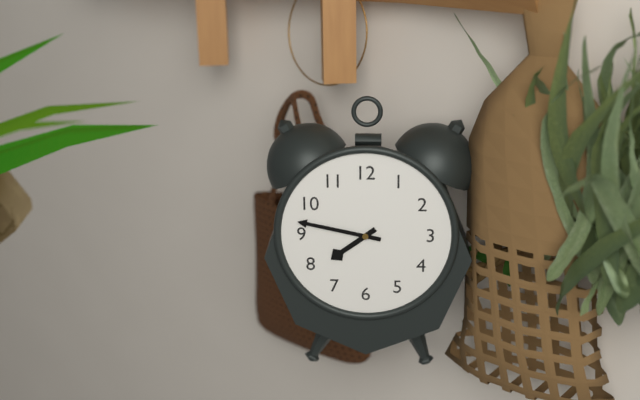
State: h=7 m=47
